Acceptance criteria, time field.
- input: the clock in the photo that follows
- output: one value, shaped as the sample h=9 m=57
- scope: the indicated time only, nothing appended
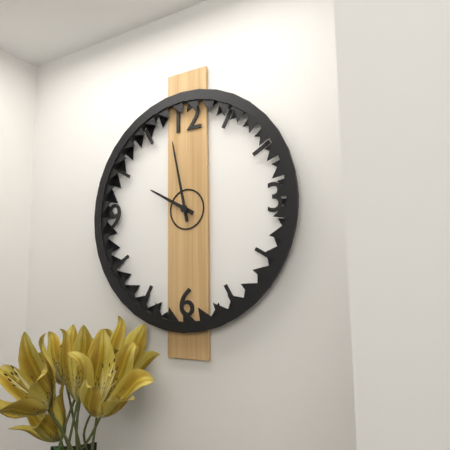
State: h=9 m=58
